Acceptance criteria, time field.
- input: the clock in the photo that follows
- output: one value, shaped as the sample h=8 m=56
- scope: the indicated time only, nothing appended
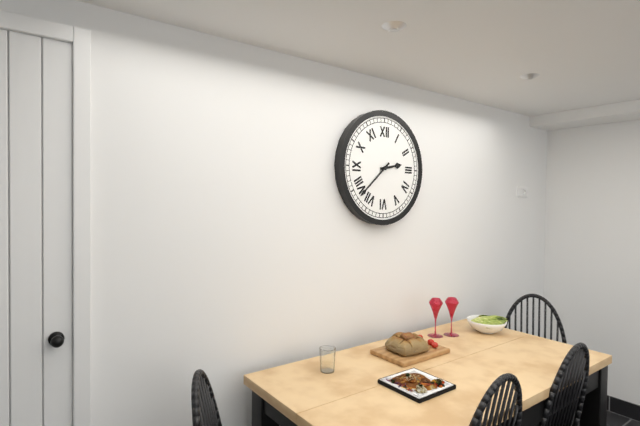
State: h=2 m=38
